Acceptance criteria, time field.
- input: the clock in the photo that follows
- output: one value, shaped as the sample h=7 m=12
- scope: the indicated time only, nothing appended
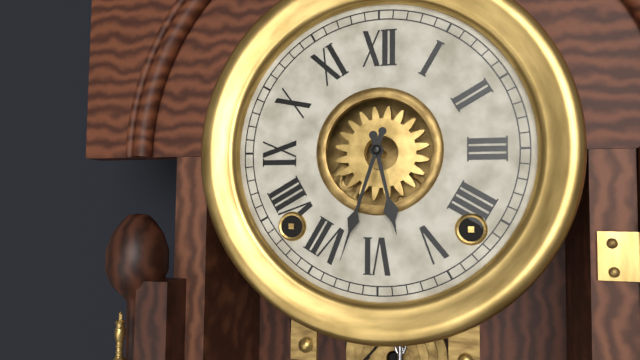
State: h=5 m=33
